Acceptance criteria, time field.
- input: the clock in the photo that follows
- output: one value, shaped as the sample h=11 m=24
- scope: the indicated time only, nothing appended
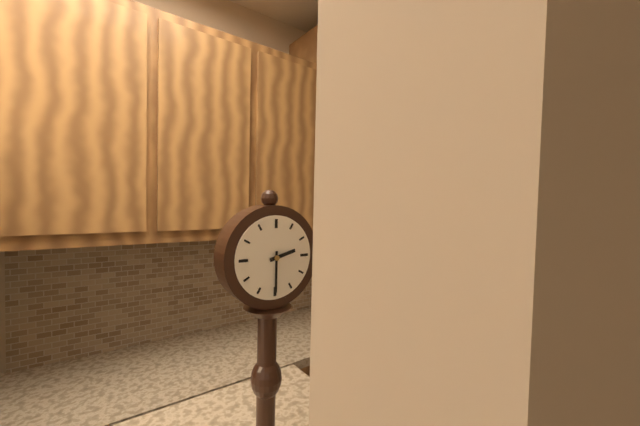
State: h=2 m=30
